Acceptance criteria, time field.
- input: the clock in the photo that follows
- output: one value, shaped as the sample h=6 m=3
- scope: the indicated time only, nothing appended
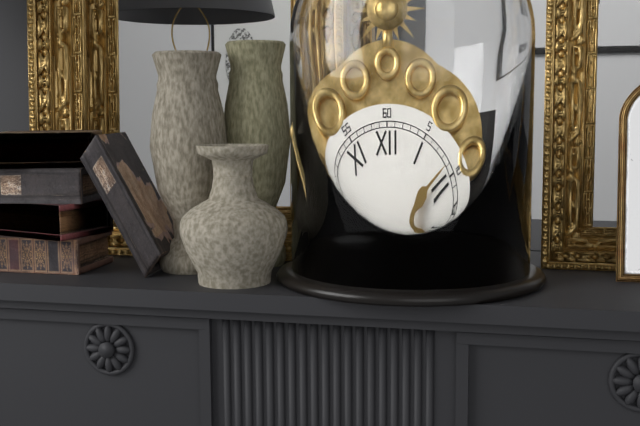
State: h=5 m=9
